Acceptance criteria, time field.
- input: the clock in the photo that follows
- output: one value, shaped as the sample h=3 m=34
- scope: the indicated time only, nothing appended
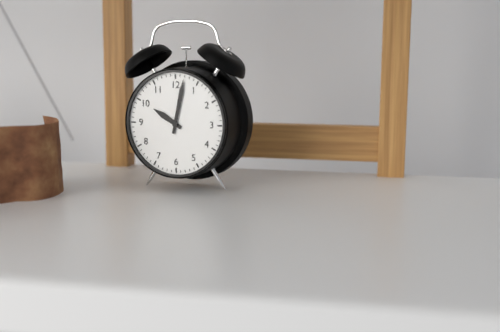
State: h=10 m=2
